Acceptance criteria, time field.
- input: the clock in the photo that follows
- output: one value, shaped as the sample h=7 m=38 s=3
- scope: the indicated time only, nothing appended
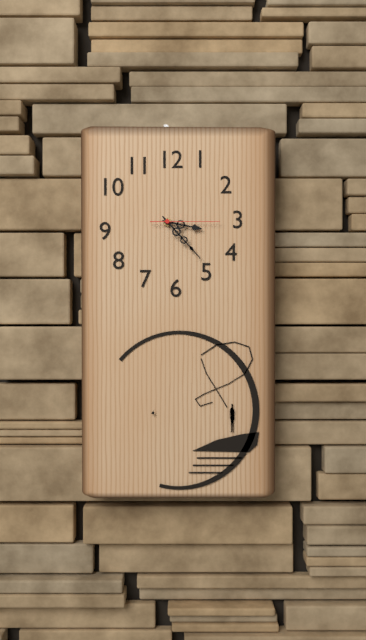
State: h=3 m=23 s=15
